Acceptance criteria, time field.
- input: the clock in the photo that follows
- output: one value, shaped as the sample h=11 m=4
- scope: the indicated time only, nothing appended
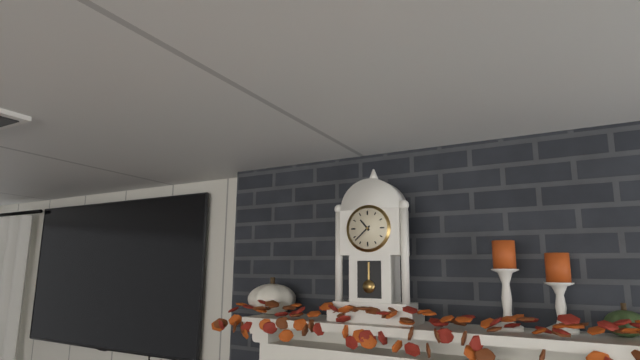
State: h=10 m=38
